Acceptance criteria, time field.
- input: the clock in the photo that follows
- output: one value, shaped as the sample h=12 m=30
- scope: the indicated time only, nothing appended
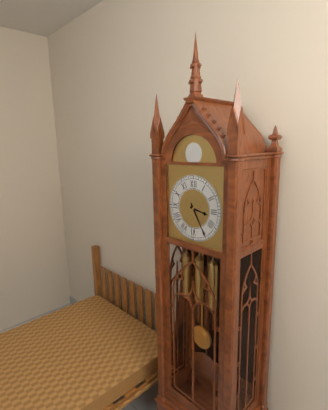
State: h=3 m=25
